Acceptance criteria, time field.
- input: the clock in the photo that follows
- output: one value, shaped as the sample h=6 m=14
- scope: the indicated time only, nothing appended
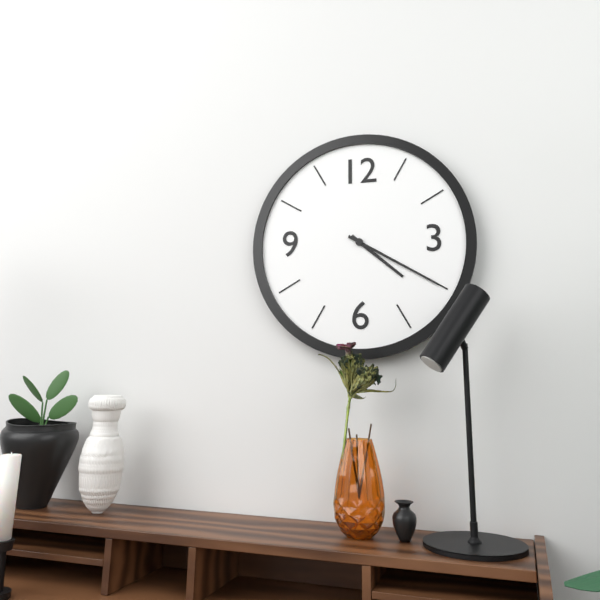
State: h=4 m=20
